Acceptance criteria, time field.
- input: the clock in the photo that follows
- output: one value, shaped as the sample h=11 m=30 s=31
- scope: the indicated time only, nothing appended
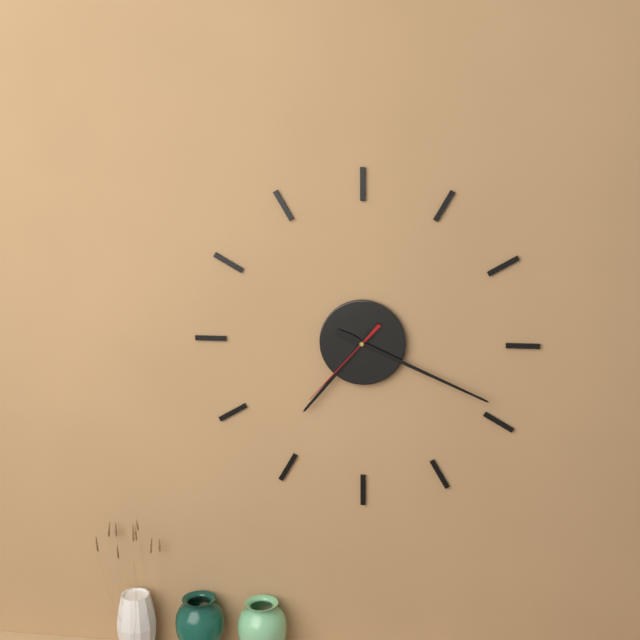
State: h=7 m=19 s=37
